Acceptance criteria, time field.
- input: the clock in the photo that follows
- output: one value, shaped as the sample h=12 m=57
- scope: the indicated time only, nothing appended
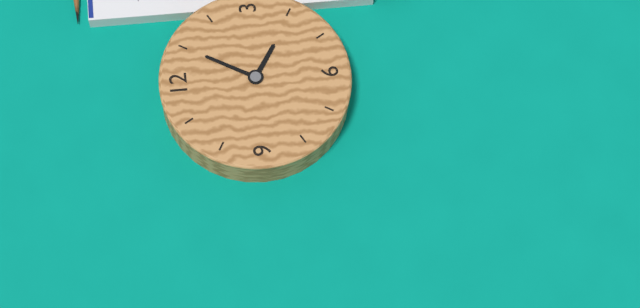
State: h=4 m=5
